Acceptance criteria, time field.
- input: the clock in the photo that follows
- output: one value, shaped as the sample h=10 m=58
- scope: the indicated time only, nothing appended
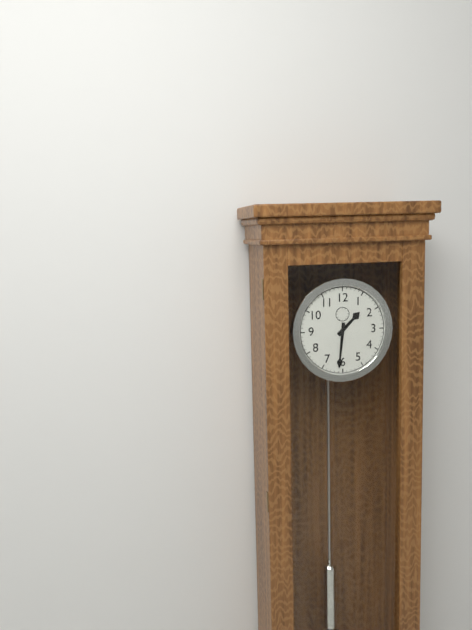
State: h=1 m=31
